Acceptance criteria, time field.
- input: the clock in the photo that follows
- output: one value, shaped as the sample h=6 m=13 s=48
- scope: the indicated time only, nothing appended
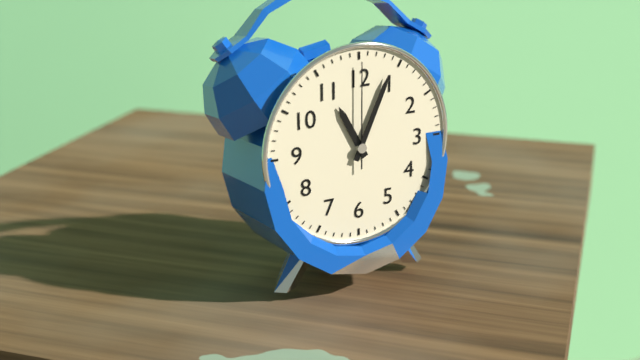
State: h=11 m=4 s=0
